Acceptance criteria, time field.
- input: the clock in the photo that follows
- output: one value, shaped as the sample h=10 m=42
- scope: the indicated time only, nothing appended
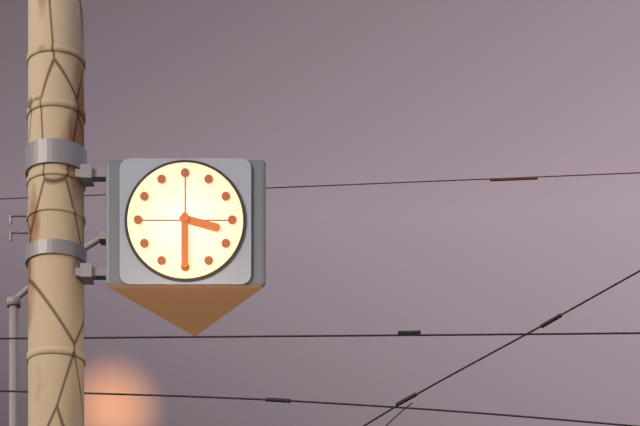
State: h=3 m=30
